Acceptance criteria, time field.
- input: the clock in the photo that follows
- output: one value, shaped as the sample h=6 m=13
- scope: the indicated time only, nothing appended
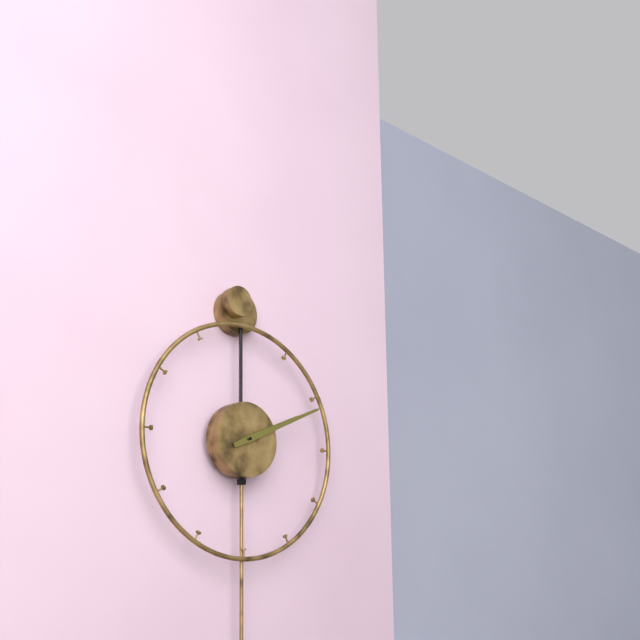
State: h=2 m=11
